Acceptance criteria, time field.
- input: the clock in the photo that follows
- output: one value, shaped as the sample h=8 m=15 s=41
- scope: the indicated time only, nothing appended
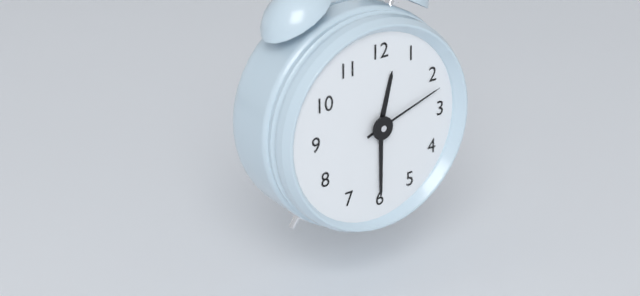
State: h=12 m=30 s=12
